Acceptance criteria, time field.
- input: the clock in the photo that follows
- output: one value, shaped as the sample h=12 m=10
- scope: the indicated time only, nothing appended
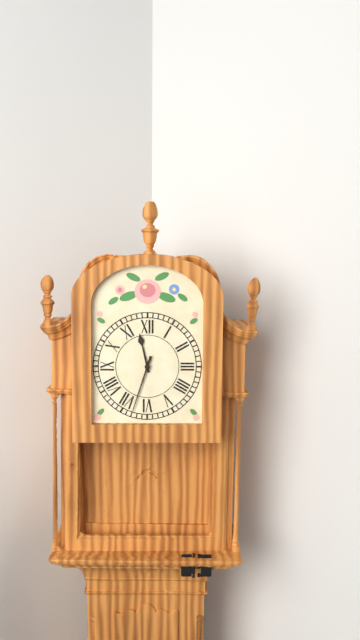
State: h=11 m=33
